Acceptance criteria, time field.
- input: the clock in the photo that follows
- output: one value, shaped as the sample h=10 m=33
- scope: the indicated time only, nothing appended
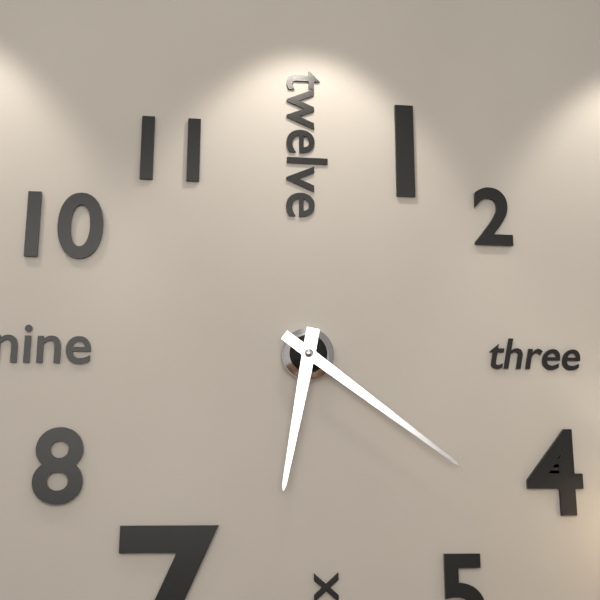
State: h=6 m=21
